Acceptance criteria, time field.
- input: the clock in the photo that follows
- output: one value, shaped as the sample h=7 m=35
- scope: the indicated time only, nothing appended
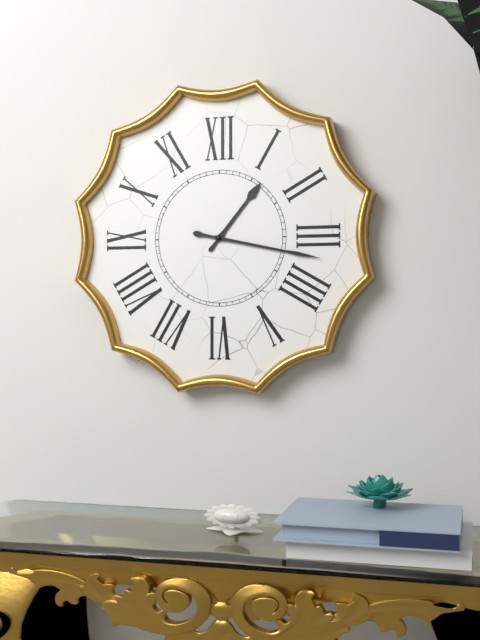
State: h=1 m=17
